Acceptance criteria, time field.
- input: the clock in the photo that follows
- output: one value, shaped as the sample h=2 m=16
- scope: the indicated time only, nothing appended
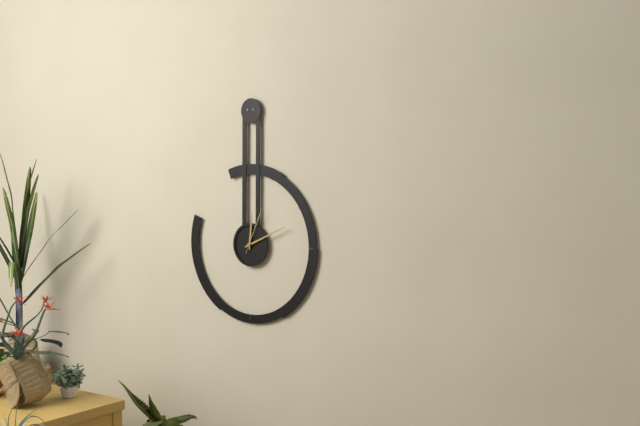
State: h=12 m=11
